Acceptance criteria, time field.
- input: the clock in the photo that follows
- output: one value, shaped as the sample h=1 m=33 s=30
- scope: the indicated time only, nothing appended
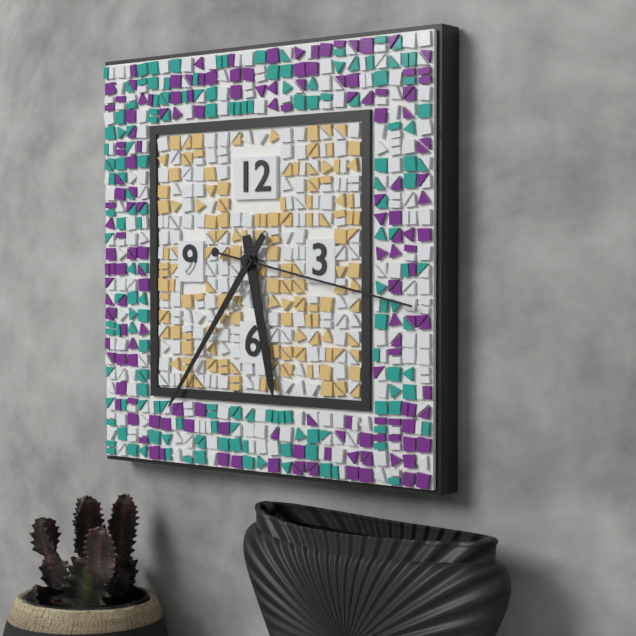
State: h=5 m=36 s=17
